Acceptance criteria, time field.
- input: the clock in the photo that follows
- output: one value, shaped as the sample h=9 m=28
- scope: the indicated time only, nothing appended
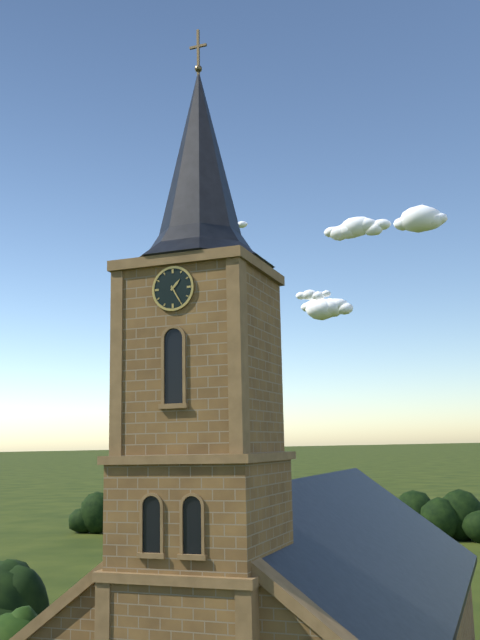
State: h=1 m=25
